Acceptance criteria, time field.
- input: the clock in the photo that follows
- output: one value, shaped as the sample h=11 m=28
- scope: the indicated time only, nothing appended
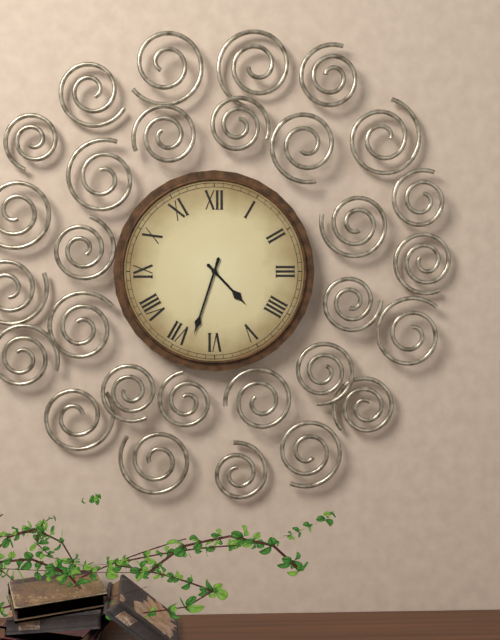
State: h=4 m=33
